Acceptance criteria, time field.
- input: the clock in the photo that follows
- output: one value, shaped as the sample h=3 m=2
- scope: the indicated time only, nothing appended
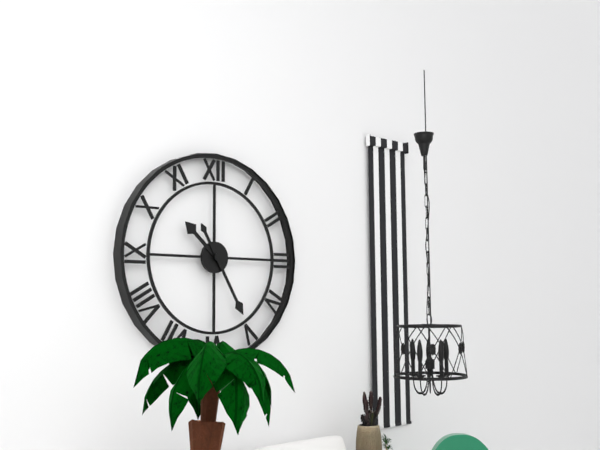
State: h=10 m=25
